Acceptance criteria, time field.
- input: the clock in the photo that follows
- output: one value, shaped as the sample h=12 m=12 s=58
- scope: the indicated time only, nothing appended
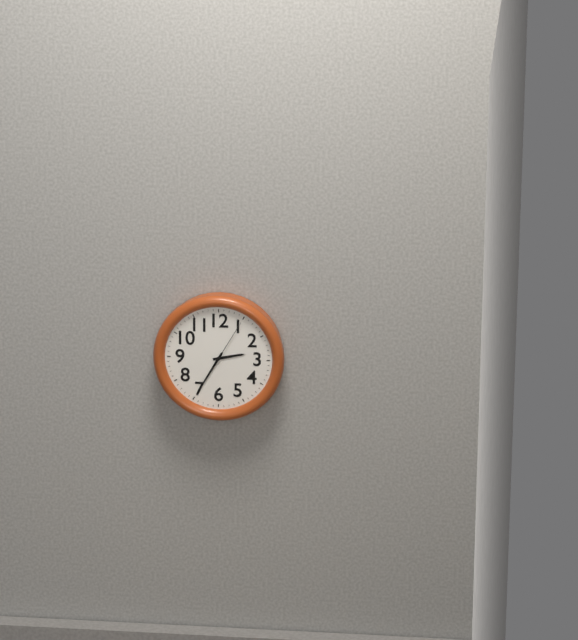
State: h=2 m=35 s=5
